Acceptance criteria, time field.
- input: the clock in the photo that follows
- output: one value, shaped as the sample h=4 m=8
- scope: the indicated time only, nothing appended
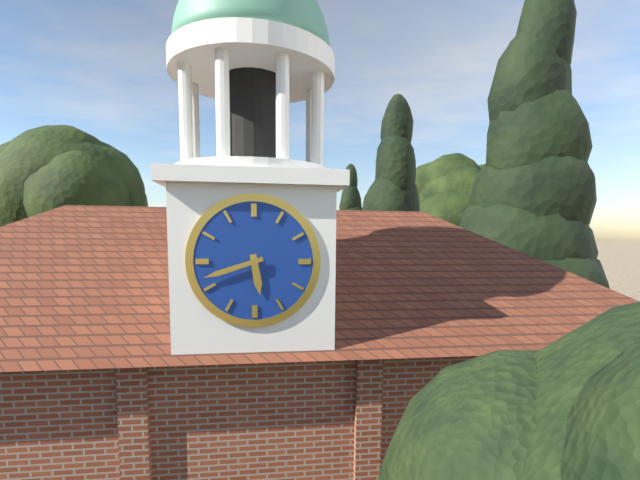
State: h=5 m=42
